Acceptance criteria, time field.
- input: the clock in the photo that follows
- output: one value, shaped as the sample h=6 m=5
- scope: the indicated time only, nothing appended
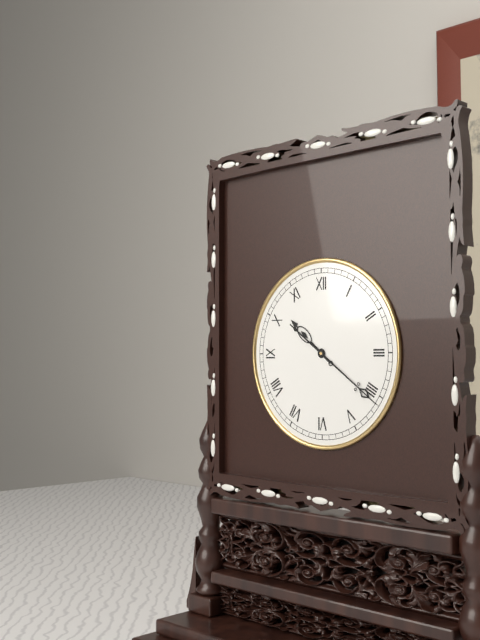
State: h=10 m=21
